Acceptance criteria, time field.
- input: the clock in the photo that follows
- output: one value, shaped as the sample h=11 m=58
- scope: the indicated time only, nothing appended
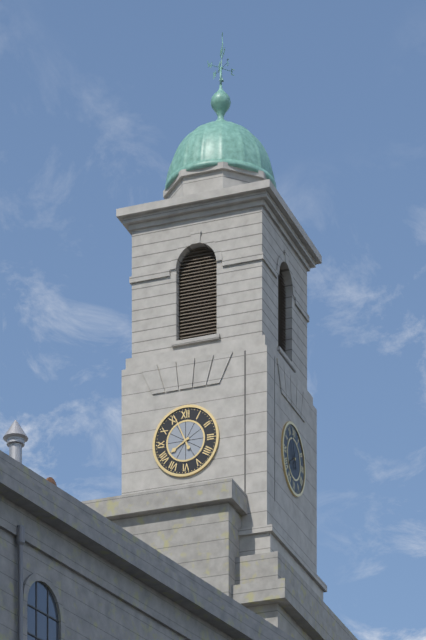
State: h=7 m=56
